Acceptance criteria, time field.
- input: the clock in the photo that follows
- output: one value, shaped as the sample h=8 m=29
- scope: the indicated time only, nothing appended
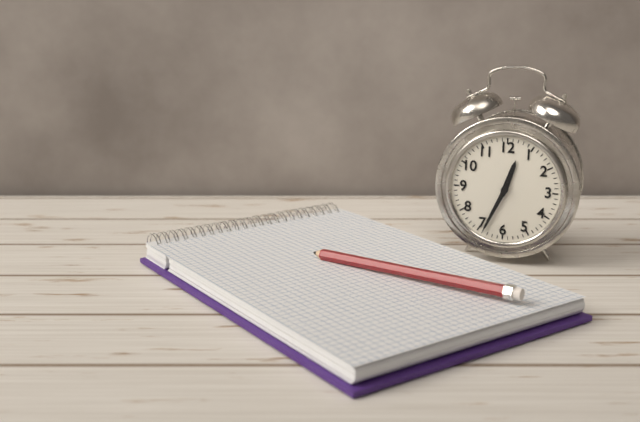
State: h=12 m=34
